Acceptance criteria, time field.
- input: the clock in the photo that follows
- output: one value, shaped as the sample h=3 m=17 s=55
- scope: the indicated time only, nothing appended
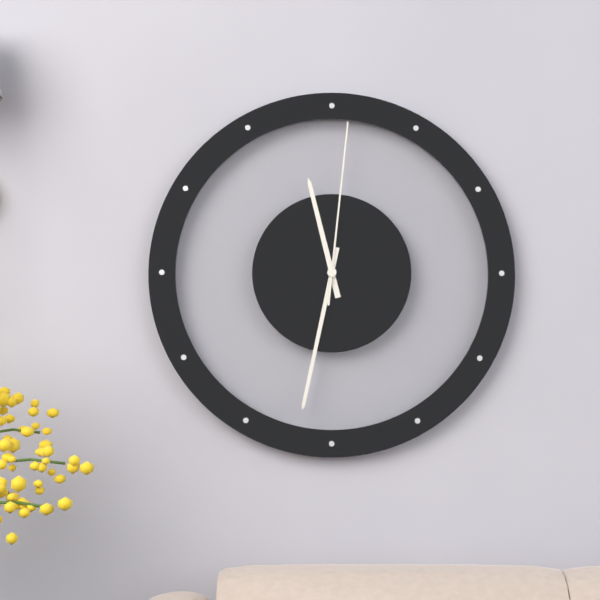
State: h=11 m=32 s=1
